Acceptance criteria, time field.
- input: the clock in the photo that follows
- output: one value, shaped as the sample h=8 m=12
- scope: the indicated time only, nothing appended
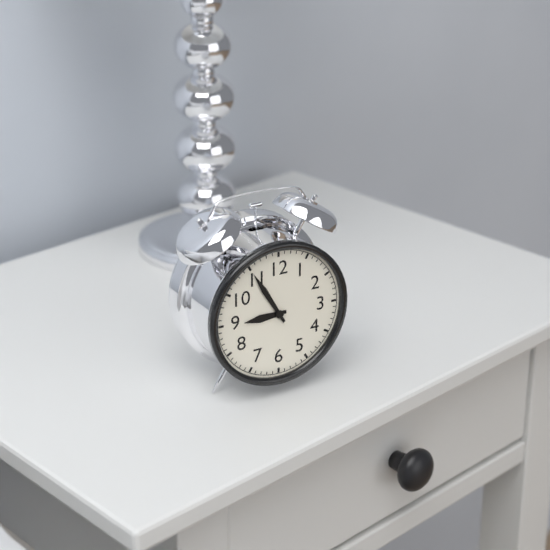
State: h=8 m=55
